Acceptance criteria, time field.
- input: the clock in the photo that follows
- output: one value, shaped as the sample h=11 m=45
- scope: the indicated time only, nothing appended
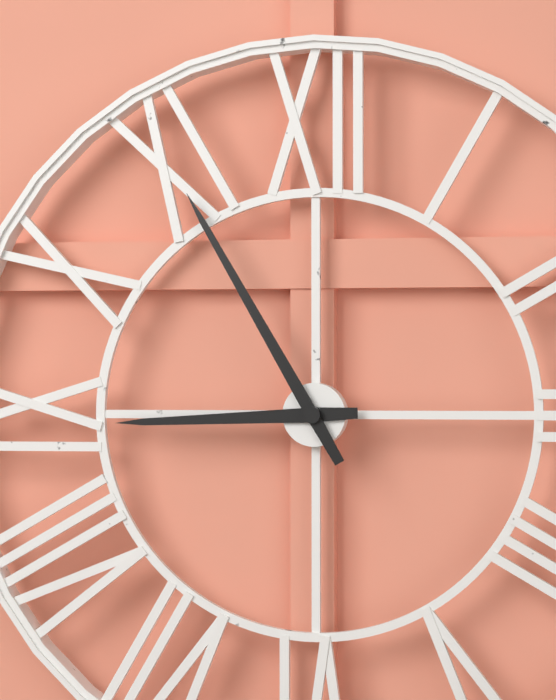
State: h=8 m=55
